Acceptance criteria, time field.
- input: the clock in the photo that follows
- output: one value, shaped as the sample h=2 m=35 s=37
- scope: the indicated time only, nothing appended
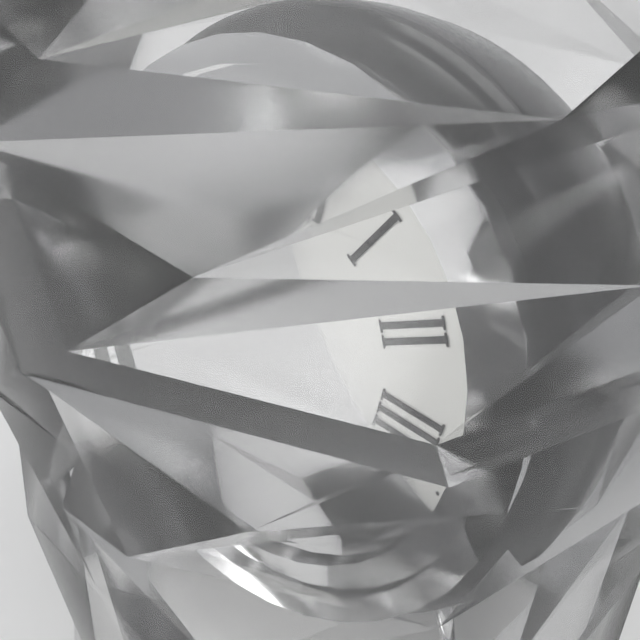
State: h=9 m=31 s=0
